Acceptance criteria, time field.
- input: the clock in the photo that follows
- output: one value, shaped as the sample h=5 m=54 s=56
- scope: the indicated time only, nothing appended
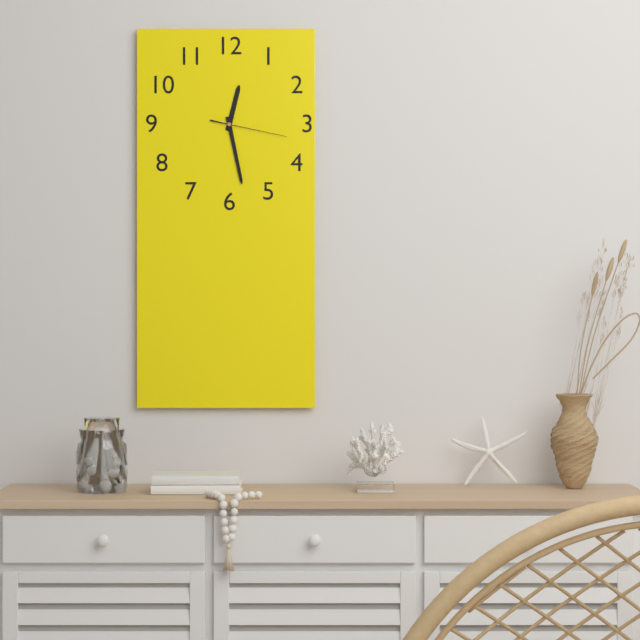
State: h=12 m=28 s=17
